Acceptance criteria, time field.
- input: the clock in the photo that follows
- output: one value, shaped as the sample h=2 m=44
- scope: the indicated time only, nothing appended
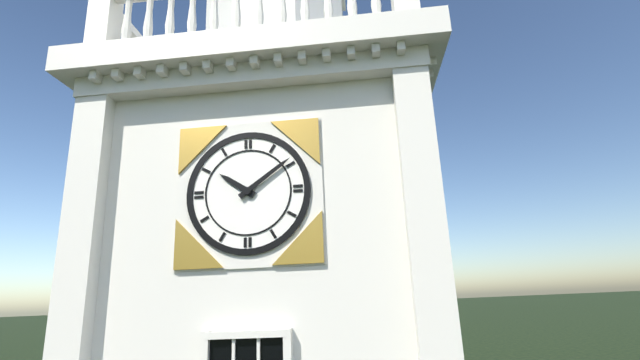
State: h=10 m=9
